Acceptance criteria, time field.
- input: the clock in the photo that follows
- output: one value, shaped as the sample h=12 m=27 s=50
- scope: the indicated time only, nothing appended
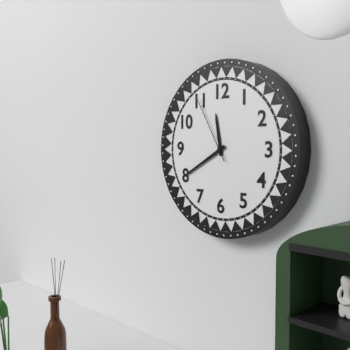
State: h=11 m=40 s=55
